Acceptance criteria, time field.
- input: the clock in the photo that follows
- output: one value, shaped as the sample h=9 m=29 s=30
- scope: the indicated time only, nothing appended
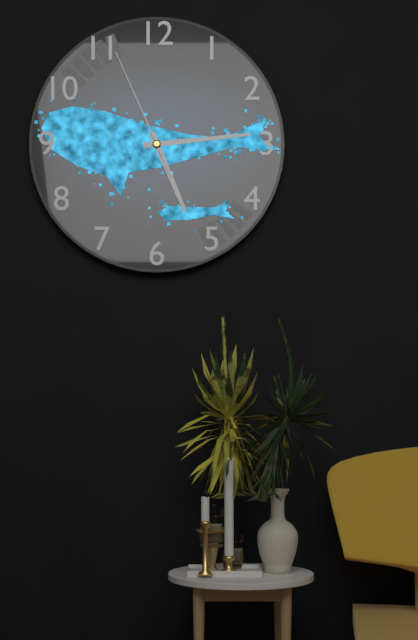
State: h=5 m=14 s=56
